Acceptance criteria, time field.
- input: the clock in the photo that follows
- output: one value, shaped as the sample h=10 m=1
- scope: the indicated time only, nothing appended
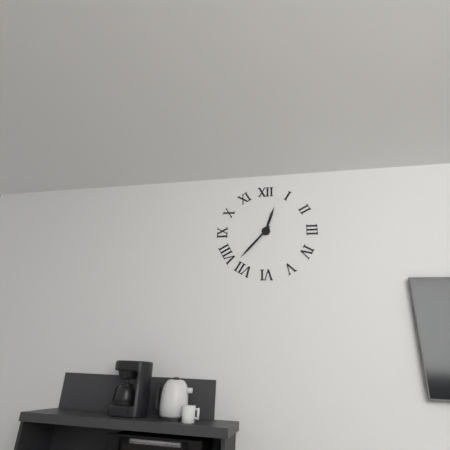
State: h=12 m=37
